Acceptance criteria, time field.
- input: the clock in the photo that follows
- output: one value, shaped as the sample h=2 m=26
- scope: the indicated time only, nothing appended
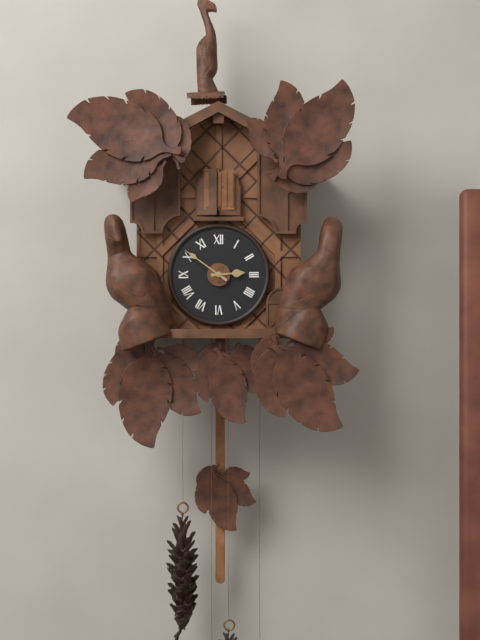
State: h=2 m=51
